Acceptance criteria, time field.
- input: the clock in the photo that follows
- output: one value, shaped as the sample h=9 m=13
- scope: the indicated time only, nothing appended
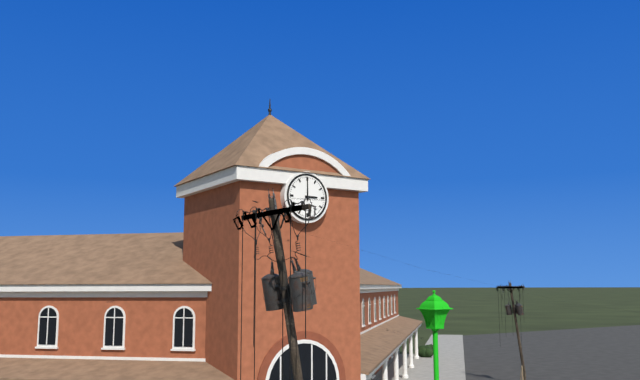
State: h=3 m=0
